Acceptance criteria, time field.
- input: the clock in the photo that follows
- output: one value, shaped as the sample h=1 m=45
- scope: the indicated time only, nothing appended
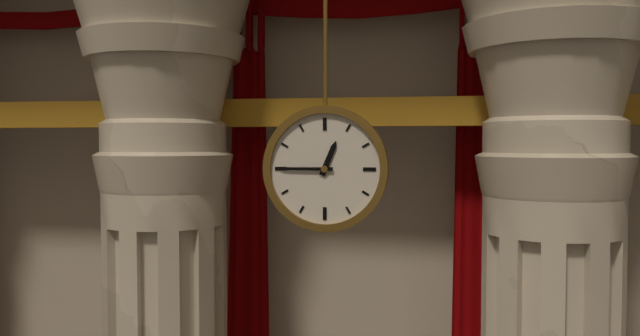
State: h=12 m=45
